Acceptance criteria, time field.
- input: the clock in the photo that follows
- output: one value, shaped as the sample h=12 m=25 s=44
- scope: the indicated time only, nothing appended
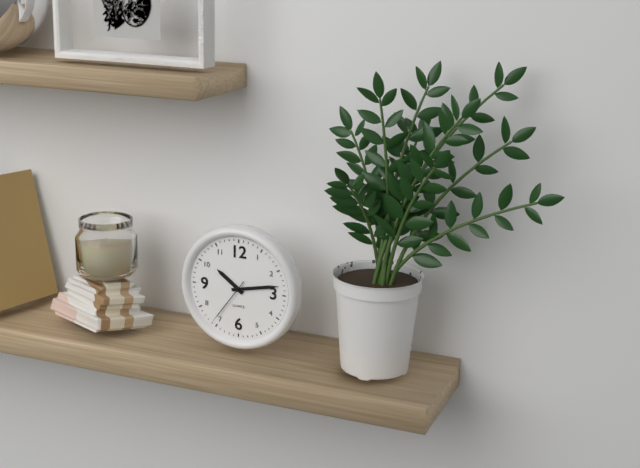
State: h=10 m=13 s=36
